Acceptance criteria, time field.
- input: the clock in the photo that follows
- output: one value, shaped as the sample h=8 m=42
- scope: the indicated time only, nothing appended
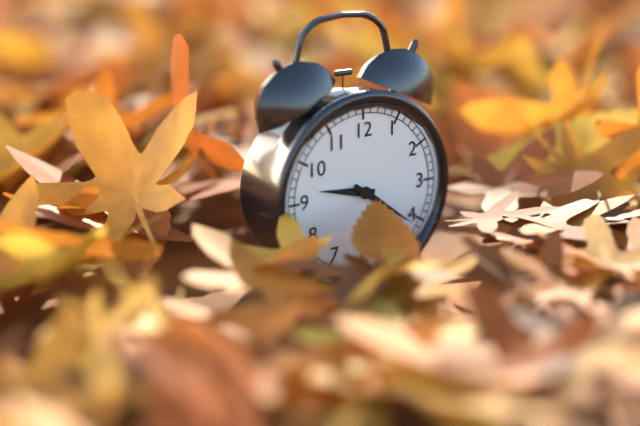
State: h=9 m=21
